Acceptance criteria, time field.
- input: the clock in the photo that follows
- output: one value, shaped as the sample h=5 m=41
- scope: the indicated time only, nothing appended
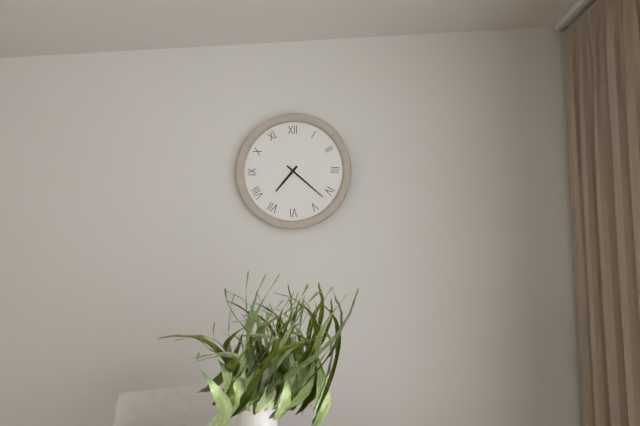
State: h=7 m=22
